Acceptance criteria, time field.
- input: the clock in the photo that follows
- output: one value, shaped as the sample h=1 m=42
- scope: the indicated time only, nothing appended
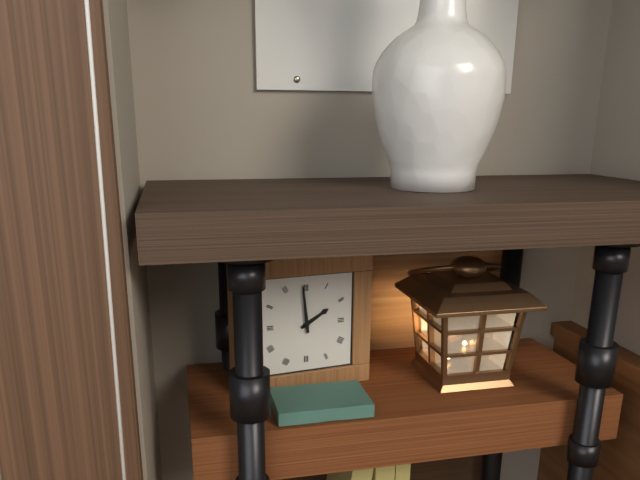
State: h=1 m=59
